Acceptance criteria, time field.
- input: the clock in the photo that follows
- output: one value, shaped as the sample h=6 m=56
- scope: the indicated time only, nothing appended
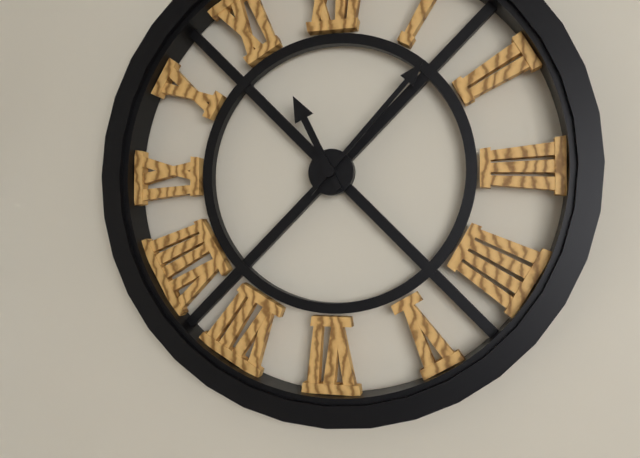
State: h=11 m=7
